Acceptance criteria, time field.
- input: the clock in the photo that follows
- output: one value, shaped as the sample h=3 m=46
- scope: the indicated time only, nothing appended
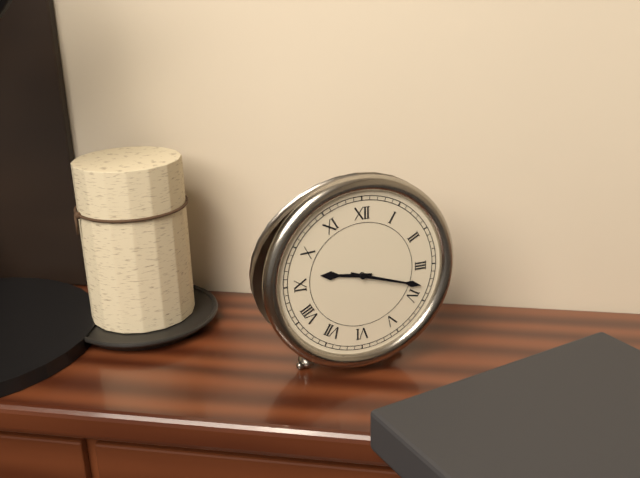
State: h=9 m=18
